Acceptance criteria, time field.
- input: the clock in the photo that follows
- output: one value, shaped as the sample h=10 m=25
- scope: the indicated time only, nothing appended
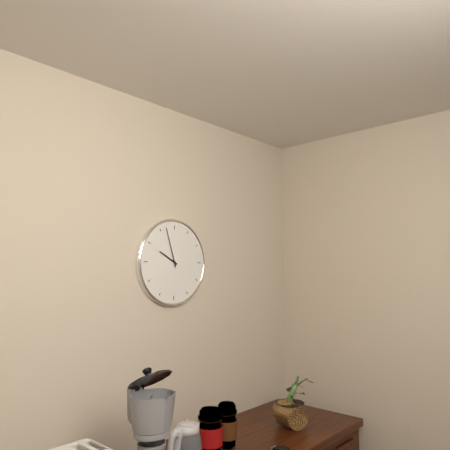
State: h=9 m=57
